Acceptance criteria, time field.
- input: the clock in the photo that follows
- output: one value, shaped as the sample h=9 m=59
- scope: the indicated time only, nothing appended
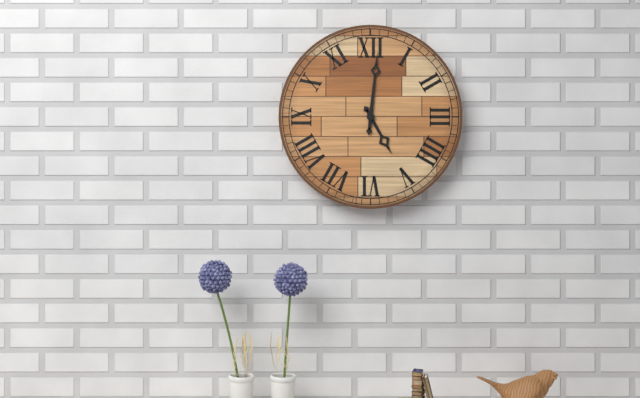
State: h=5 m=1
